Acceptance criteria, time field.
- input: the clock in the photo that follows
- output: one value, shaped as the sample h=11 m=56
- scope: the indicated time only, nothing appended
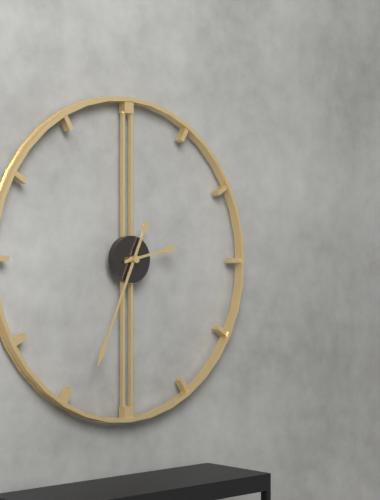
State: h=2 m=34
